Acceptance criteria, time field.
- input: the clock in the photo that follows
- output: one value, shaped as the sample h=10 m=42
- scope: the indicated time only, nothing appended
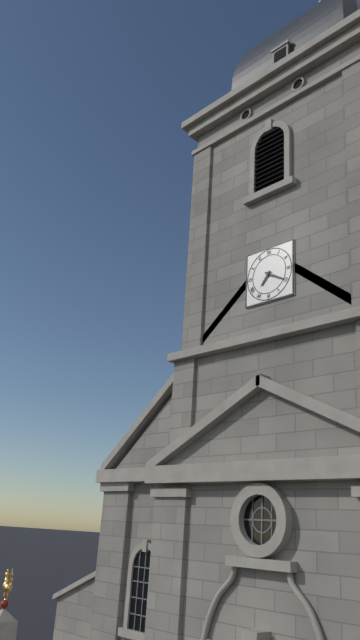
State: h=7 m=20
